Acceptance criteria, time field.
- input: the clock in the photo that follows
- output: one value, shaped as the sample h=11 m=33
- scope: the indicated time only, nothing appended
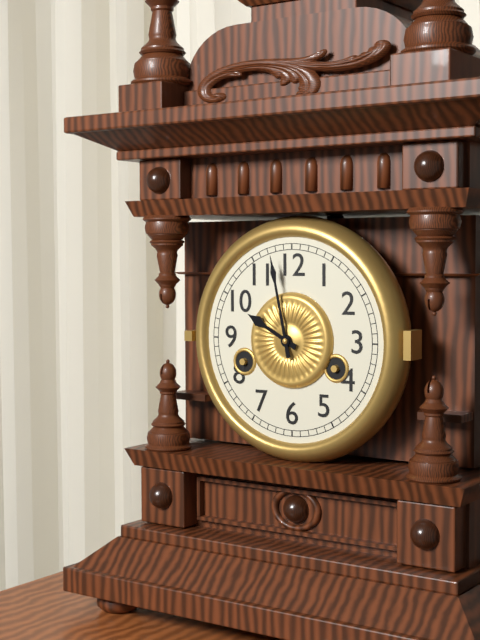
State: h=9 m=58
